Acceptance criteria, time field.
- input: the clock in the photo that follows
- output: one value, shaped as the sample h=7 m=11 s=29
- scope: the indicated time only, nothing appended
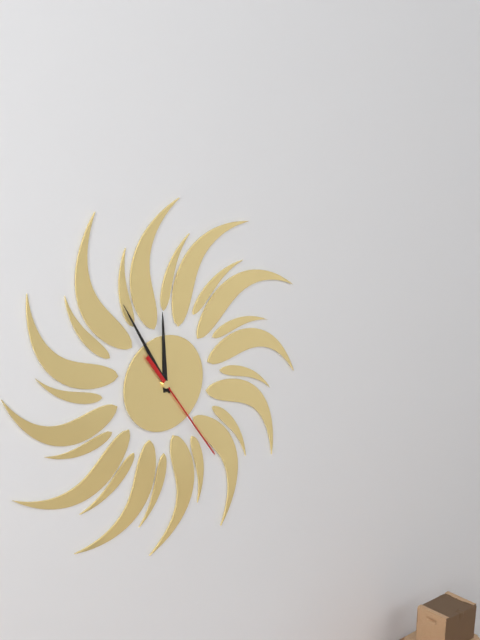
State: h=11 m=55 s=24
